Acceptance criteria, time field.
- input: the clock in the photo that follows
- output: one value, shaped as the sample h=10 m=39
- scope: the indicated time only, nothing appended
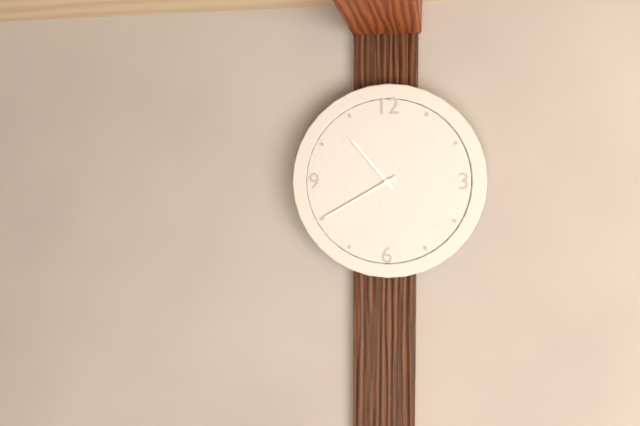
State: h=10 m=40
